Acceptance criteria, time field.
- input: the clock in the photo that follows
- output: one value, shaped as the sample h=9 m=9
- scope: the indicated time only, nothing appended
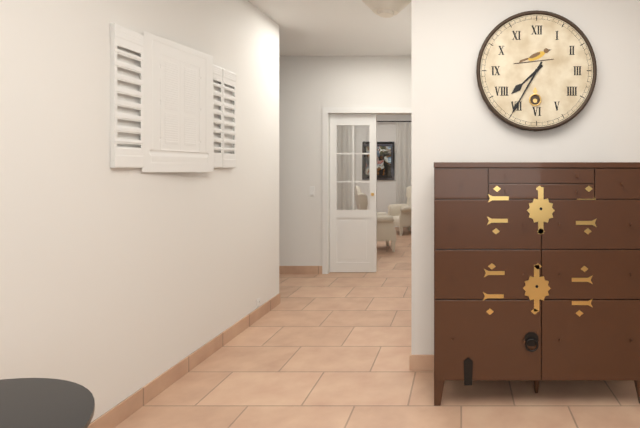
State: h=7 m=35
